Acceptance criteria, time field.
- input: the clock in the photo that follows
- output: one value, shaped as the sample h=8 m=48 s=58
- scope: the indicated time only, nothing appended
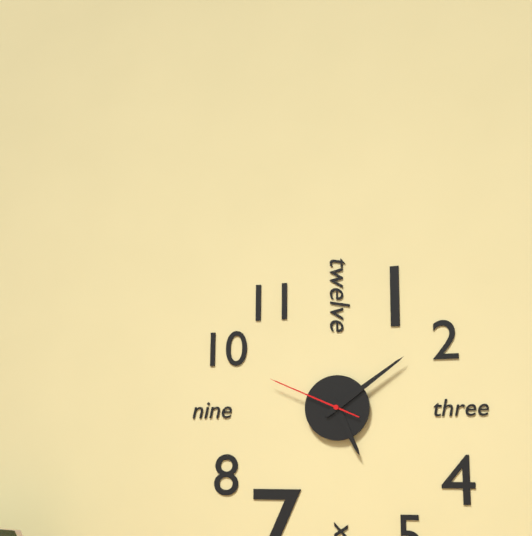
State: h=5 m=9 s=49
